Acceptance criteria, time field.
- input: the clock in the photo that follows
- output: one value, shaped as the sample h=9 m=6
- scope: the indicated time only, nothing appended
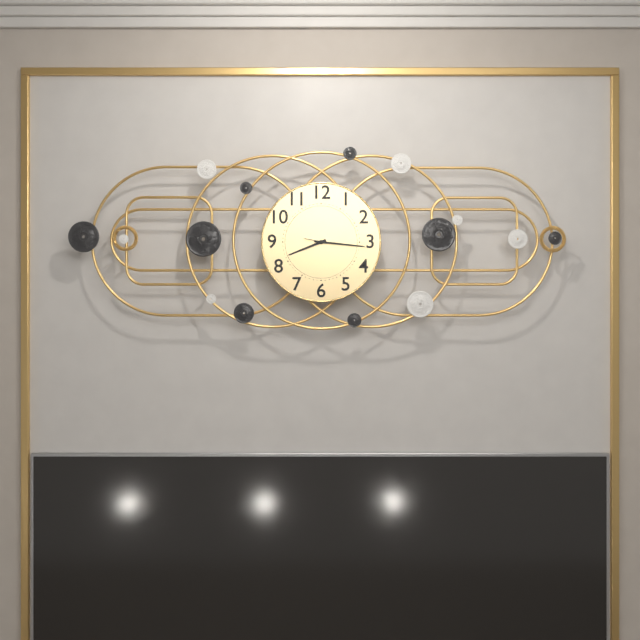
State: h=8 m=16
